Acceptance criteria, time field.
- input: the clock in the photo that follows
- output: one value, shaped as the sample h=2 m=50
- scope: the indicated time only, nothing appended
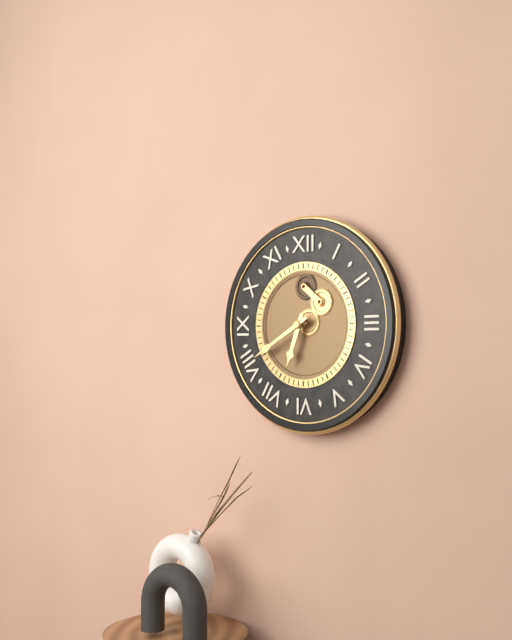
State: h=6 m=40
